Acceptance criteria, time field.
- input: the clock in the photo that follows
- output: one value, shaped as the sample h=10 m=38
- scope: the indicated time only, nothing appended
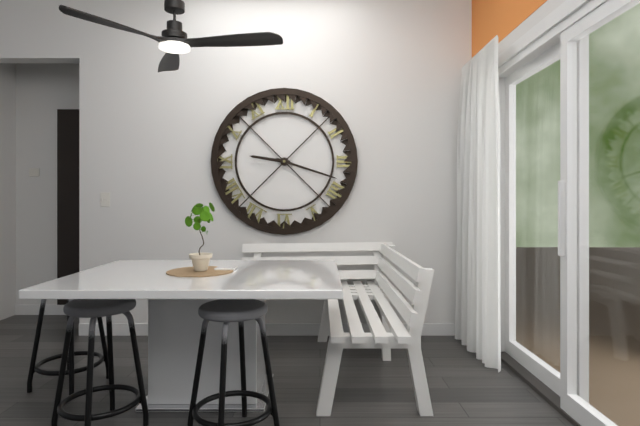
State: h=9 m=18
